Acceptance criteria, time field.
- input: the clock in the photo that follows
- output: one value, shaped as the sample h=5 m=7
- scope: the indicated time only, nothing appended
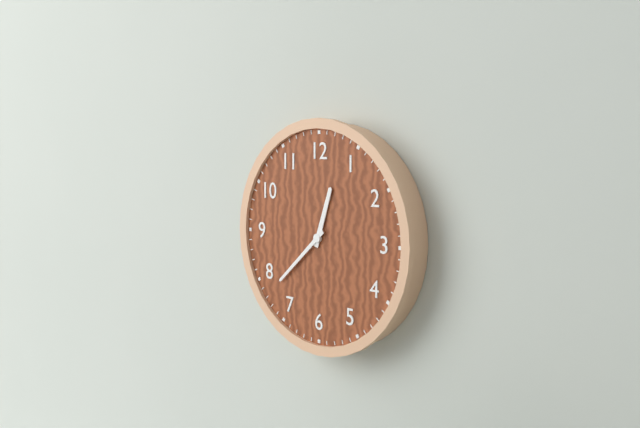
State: h=12 m=38
